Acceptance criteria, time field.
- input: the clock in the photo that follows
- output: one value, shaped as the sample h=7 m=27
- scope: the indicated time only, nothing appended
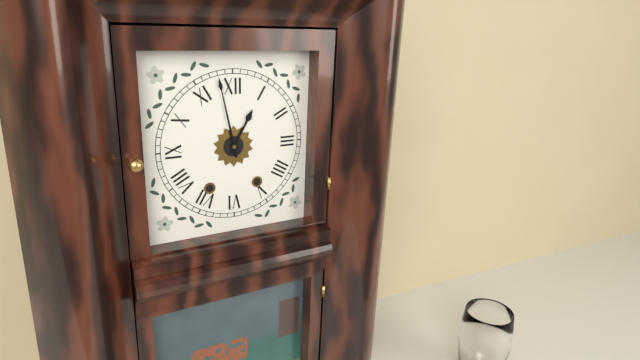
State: h=12 m=58
